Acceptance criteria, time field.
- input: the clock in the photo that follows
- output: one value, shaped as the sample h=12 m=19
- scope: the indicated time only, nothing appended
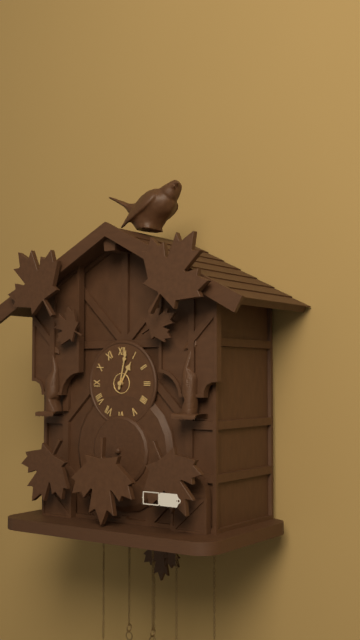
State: h=1 m=2
